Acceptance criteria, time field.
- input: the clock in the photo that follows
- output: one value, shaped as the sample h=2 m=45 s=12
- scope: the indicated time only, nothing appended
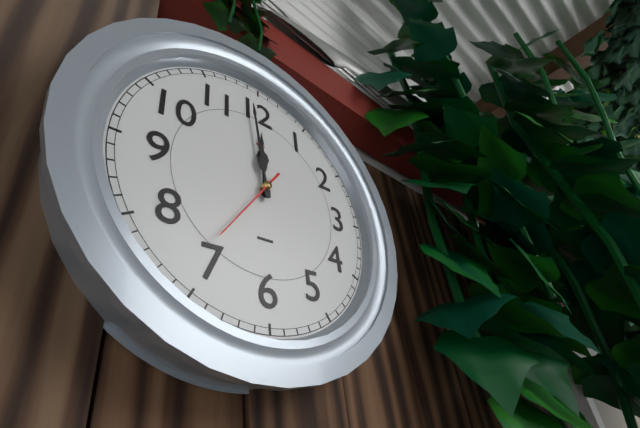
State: h=11 m=59 s=36
